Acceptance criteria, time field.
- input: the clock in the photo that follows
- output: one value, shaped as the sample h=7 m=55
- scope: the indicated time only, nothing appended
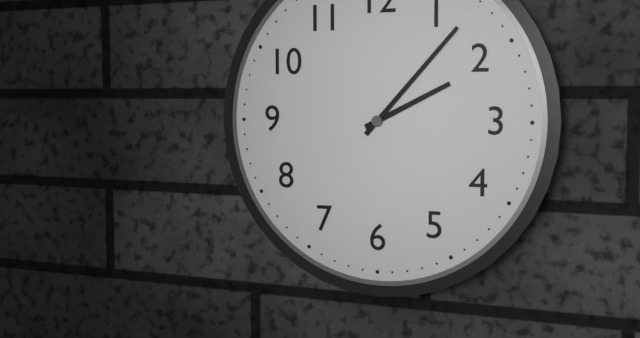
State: h=2 m=7
